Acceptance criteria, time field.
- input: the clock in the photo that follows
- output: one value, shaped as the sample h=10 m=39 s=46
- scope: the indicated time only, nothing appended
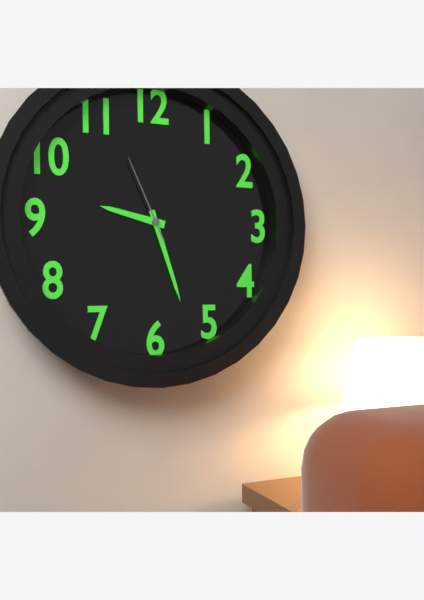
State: h=9 m=27 s=56
